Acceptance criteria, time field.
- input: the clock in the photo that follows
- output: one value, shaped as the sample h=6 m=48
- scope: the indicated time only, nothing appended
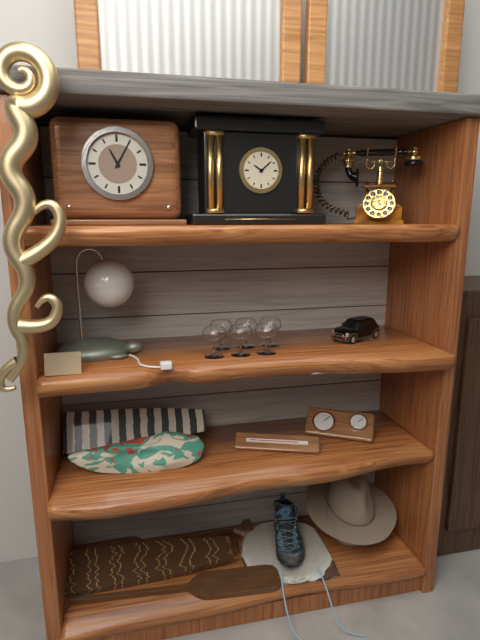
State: h=11 m=5
